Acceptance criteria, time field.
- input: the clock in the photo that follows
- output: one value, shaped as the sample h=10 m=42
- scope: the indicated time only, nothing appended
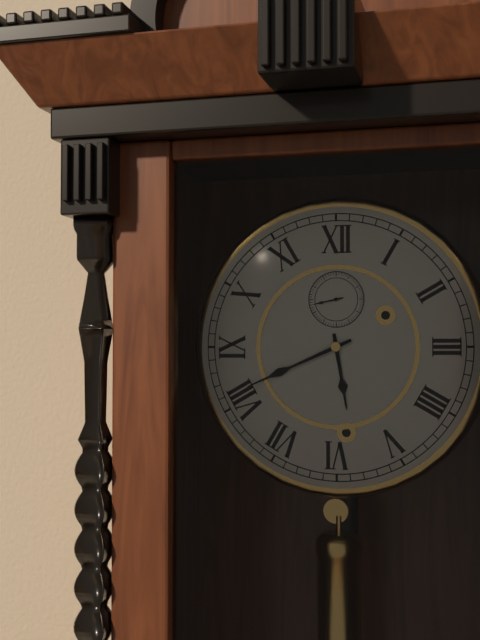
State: h=5 m=41
